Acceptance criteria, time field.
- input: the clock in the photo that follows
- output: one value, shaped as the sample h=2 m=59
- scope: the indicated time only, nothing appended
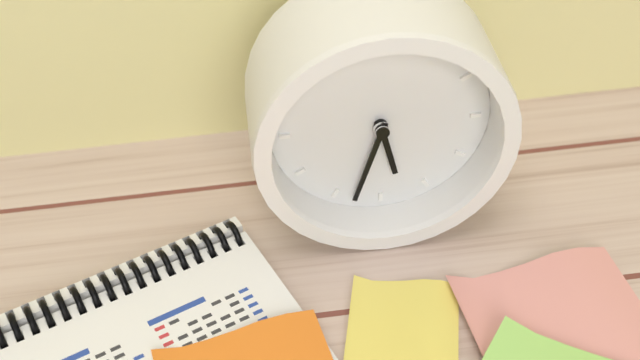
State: h=5 m=33
